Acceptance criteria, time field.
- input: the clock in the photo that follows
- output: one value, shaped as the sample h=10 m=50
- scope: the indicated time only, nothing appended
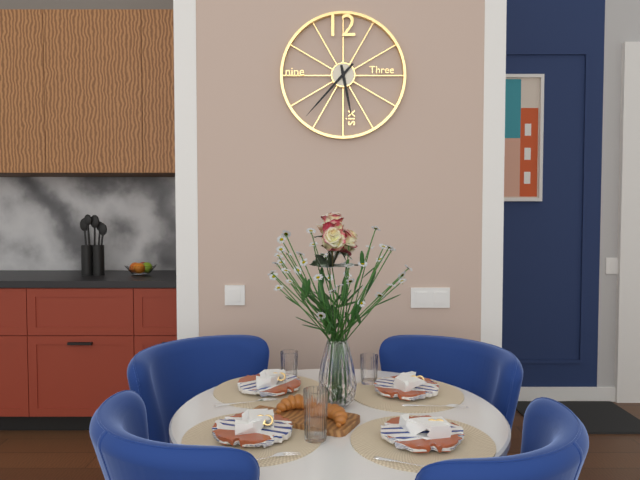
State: h=5 m=37
